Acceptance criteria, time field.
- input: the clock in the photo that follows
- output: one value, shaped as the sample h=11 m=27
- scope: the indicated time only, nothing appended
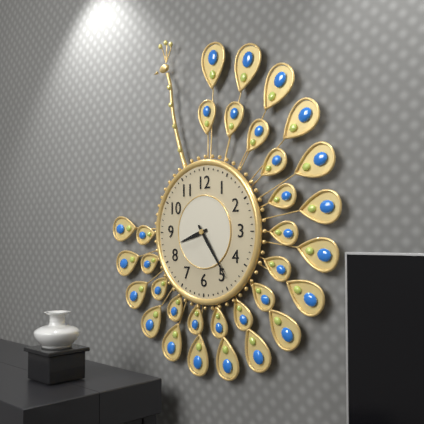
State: h=8 m=24
